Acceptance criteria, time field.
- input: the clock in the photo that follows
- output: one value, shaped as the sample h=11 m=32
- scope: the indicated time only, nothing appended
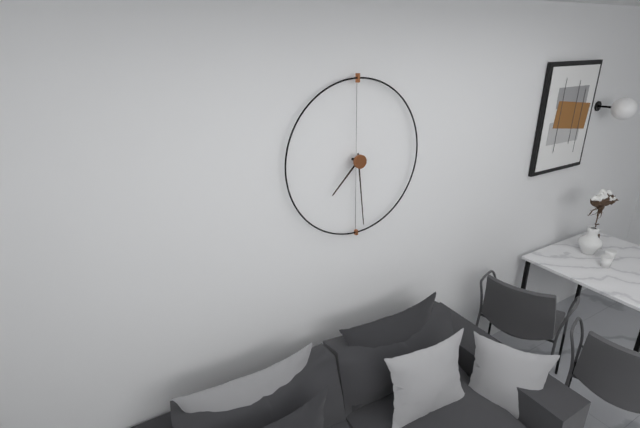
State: h=7 m=29
